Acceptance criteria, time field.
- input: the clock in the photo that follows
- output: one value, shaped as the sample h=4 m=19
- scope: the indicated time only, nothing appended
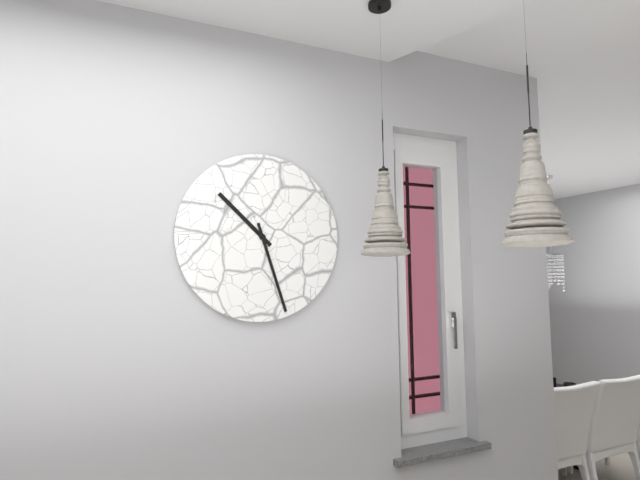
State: h=10 m=27
